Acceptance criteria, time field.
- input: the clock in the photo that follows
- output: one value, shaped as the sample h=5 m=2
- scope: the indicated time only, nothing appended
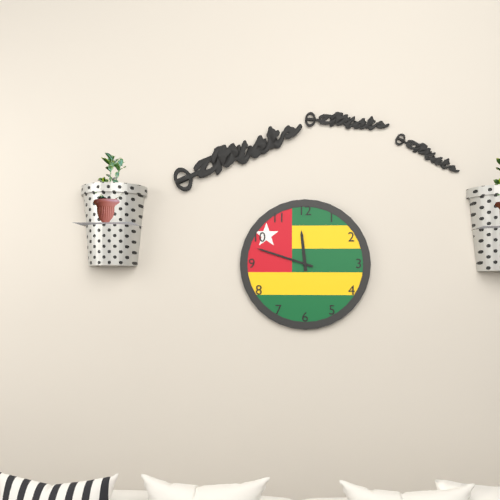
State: h=11 m=48
